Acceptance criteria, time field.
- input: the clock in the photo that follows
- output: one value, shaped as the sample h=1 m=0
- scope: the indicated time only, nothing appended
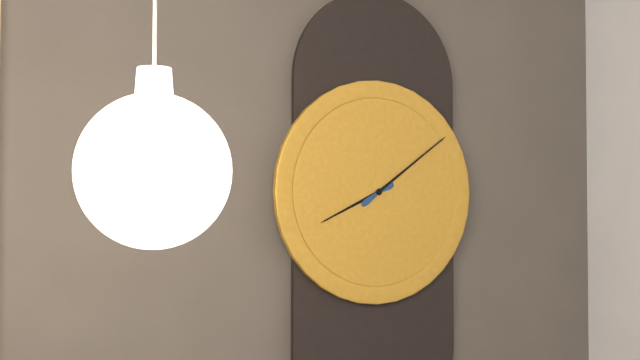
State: h=8 m=9
